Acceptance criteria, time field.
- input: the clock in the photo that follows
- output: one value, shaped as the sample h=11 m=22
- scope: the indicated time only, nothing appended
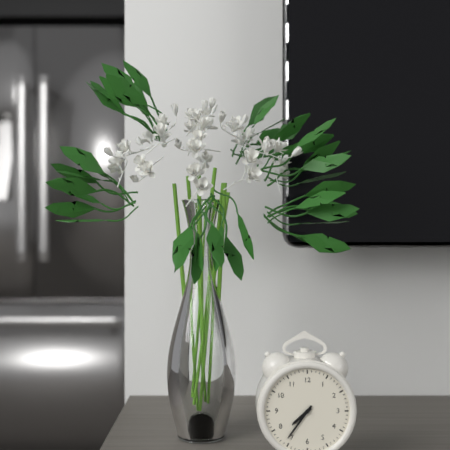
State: h=7 m=36
